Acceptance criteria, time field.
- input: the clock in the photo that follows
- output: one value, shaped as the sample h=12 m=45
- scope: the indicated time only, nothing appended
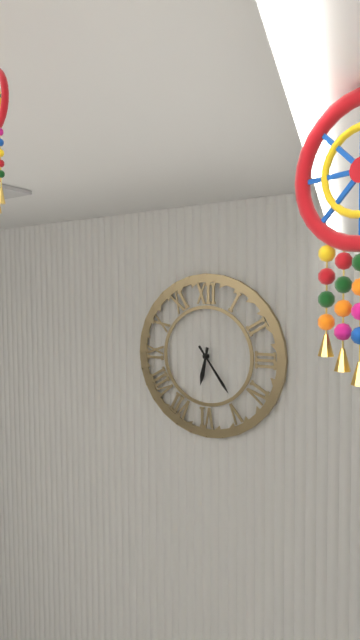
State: h=6 m=24
